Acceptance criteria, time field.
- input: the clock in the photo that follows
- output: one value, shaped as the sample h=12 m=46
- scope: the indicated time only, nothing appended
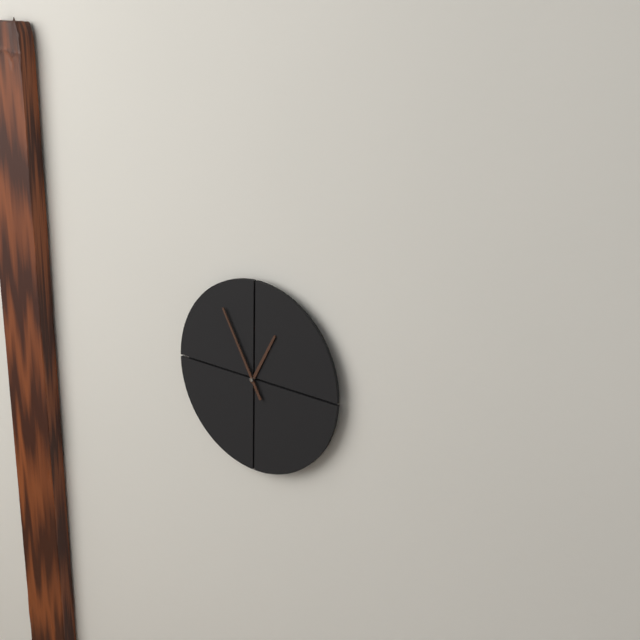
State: h=12 m=55
